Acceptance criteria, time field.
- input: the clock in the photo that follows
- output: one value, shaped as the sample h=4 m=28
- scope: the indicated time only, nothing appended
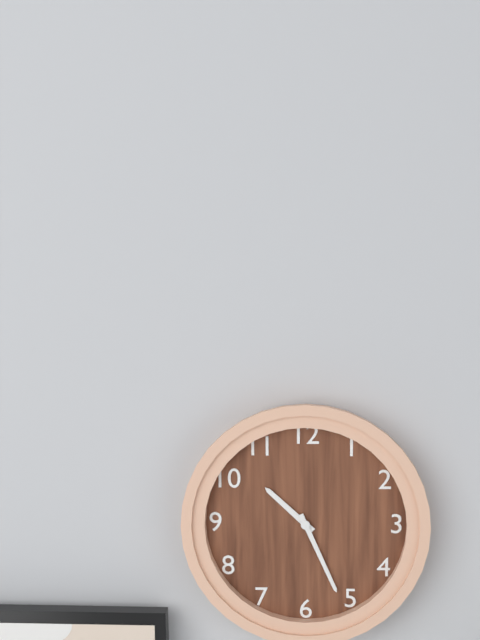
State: h=10 m=26
